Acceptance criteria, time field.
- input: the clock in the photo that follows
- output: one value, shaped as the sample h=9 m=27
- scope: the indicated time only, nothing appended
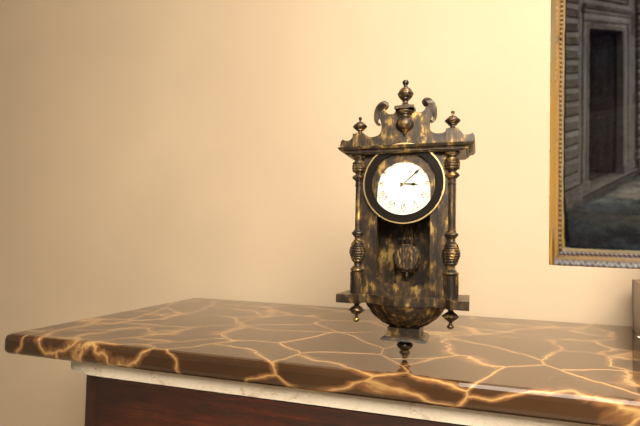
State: h=3 m=8
